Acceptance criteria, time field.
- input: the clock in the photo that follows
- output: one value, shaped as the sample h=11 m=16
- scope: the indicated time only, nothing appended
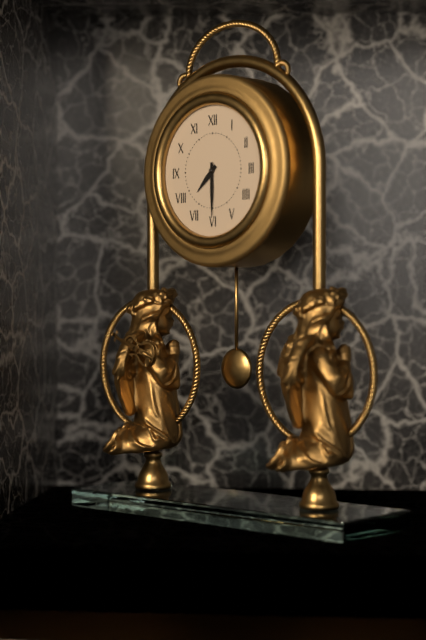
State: h=7 m=30
